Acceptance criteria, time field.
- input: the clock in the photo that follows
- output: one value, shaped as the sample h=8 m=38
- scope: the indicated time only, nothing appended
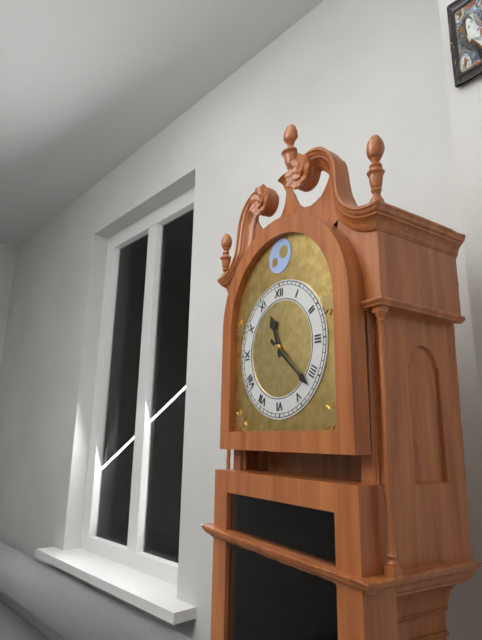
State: h=11 m=22
